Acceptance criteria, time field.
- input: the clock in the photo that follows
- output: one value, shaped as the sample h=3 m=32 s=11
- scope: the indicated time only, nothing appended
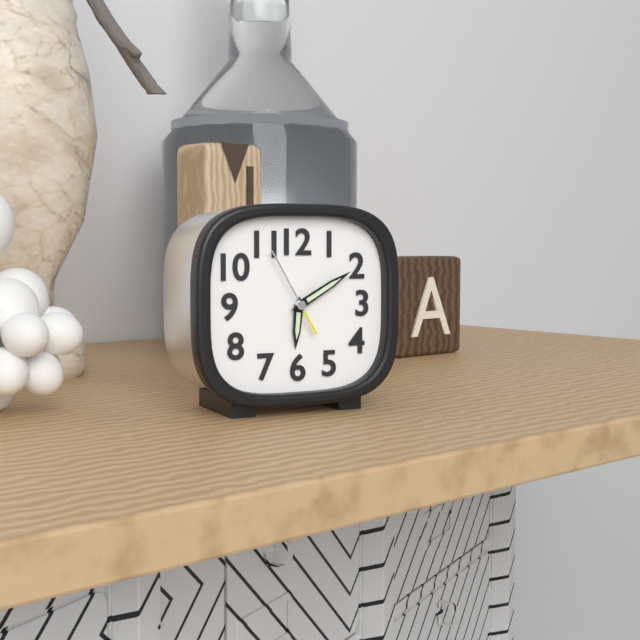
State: h=6 m=10 s=55
